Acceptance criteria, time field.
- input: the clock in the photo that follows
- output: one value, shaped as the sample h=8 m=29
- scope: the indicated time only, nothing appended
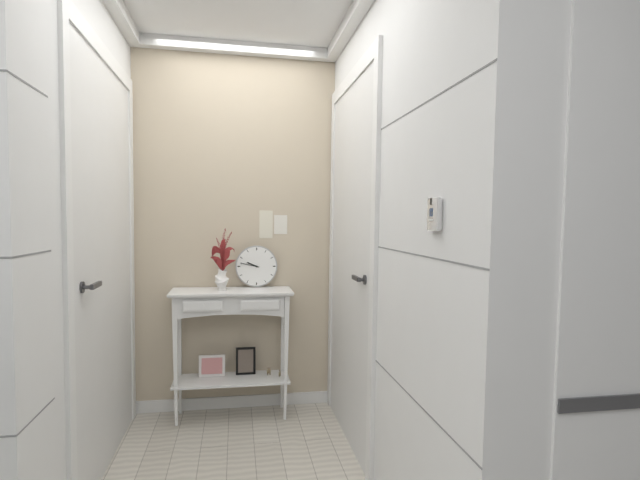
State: h=9 m=47
